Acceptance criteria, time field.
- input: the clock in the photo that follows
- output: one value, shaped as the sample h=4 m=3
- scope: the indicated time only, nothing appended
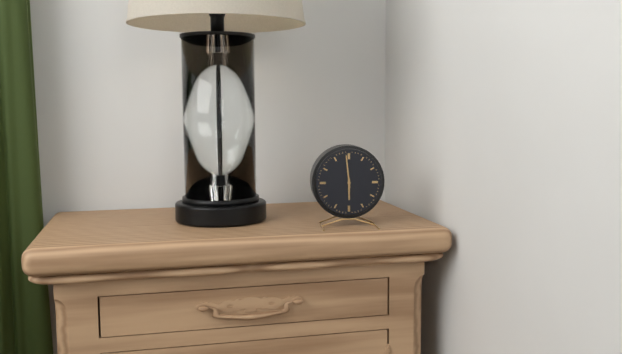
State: h=5 m=59
